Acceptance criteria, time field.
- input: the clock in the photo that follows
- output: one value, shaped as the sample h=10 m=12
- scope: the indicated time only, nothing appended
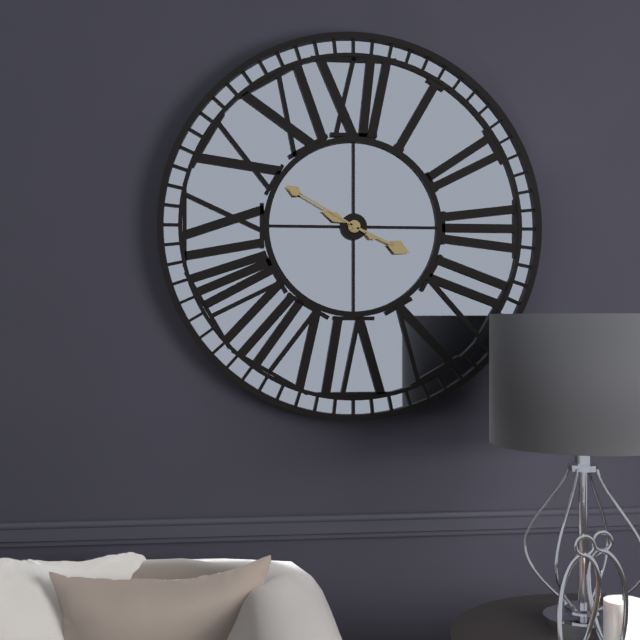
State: h=3 m=50
